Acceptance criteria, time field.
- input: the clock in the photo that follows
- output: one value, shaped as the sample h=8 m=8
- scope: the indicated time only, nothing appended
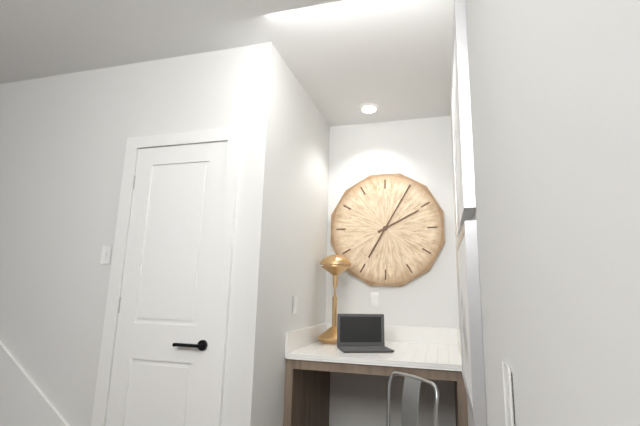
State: h=2 m=5
